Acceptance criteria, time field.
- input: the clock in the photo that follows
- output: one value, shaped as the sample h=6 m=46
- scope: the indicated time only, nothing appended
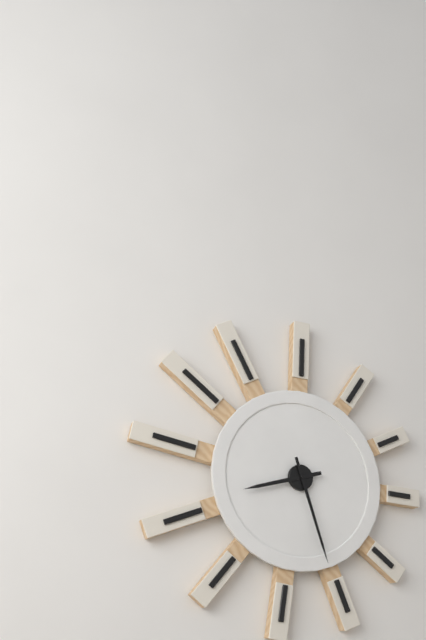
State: h=8 m=27
